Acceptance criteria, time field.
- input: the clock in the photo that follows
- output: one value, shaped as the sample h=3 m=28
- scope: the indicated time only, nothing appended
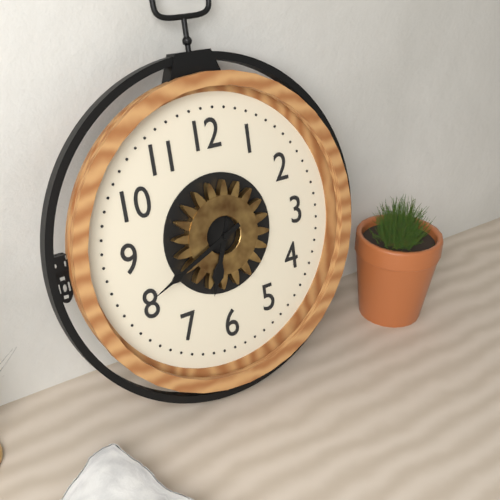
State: h=6 m=41
